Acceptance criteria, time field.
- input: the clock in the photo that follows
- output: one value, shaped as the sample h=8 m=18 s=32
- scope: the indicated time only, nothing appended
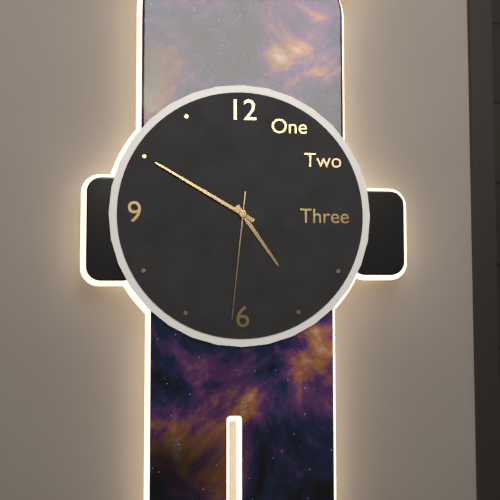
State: h=4 m=50 s=31
